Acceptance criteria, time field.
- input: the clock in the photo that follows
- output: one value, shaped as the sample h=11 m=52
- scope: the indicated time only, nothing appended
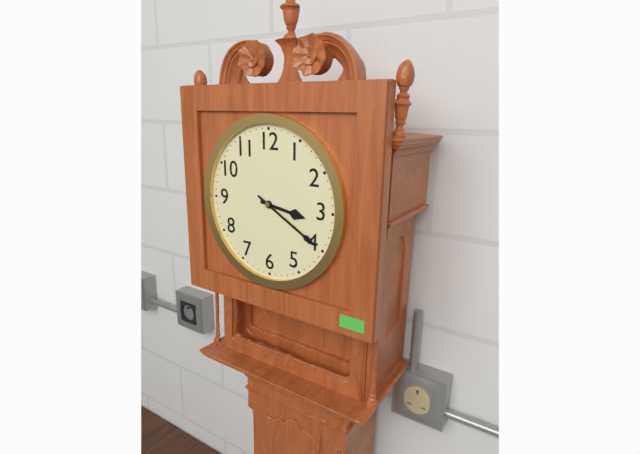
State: h=3 m=20
